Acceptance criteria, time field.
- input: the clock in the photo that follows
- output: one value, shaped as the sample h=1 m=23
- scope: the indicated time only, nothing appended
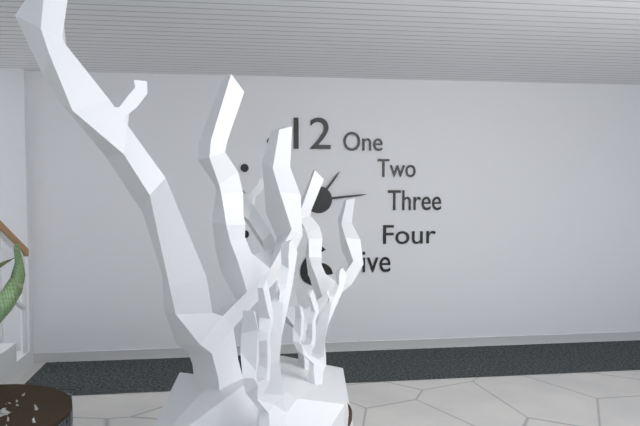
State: h=1 m=14
